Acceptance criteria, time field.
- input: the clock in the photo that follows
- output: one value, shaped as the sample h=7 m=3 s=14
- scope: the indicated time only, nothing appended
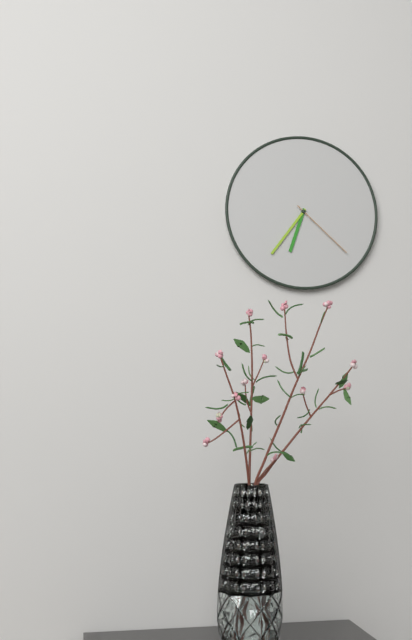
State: h=6 m=36 s=22
